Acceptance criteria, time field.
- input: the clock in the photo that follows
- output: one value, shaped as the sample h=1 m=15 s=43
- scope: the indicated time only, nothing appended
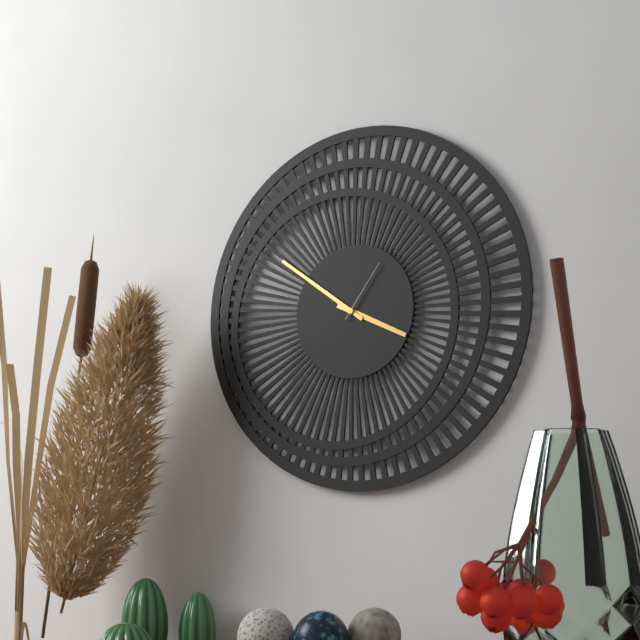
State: h=3 m=51 s=6
